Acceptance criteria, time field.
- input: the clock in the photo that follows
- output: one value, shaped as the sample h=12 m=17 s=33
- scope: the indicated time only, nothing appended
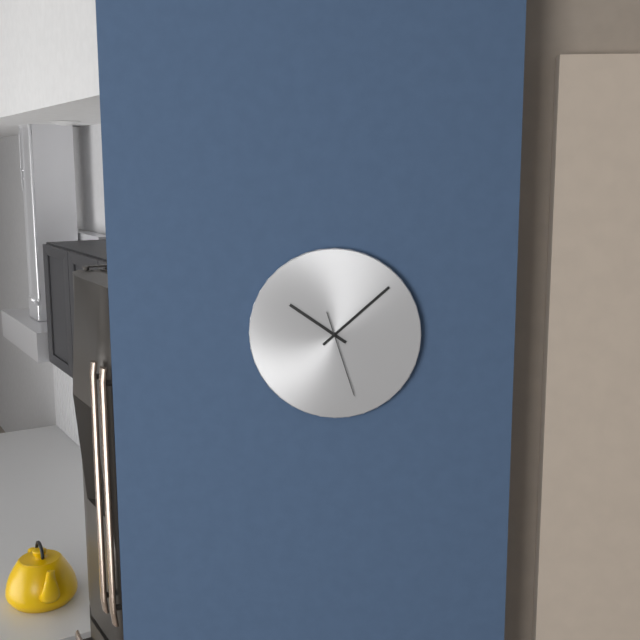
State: h=10 m=8 s=27
